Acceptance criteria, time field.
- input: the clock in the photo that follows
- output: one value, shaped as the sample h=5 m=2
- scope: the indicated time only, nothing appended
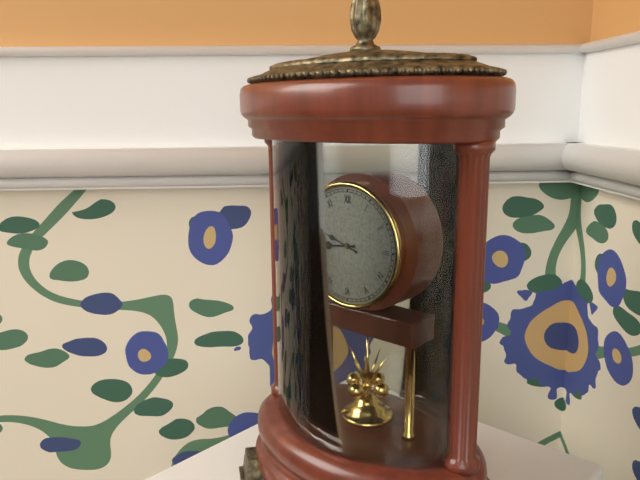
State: h=8 m=48
